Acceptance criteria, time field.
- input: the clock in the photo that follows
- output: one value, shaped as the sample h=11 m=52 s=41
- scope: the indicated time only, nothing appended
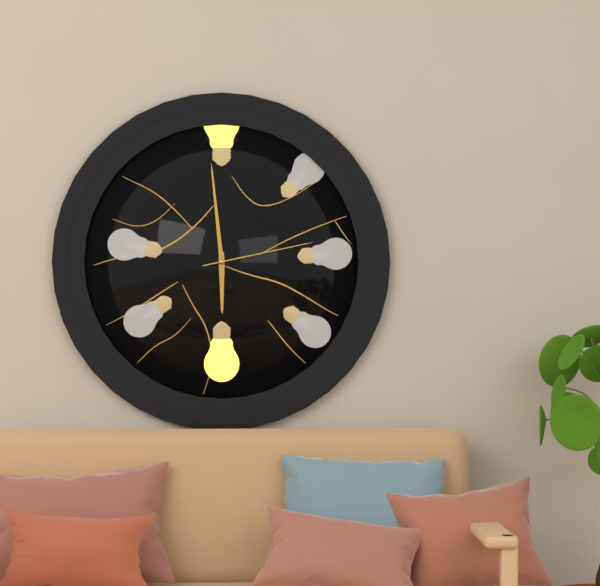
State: h=5 m=59 s=13
